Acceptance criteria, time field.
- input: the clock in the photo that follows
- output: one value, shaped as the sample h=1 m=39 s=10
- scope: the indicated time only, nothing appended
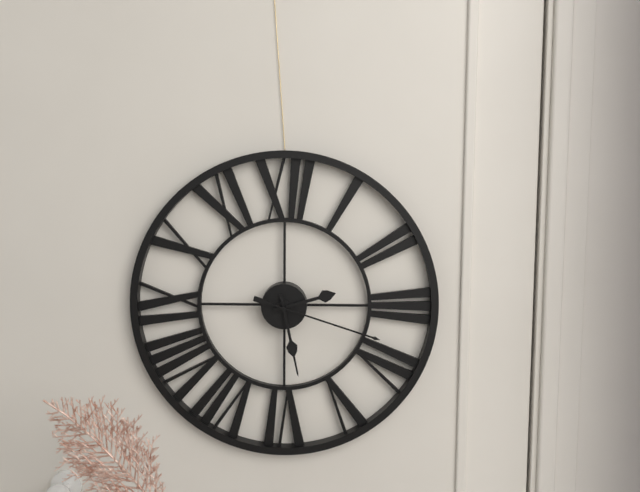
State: h=2 m=28 s=18
